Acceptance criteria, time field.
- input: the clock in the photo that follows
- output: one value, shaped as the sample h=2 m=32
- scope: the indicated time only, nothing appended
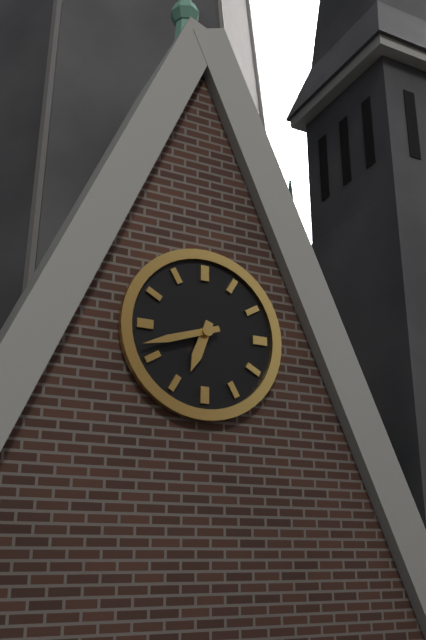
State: h=6 m=42
